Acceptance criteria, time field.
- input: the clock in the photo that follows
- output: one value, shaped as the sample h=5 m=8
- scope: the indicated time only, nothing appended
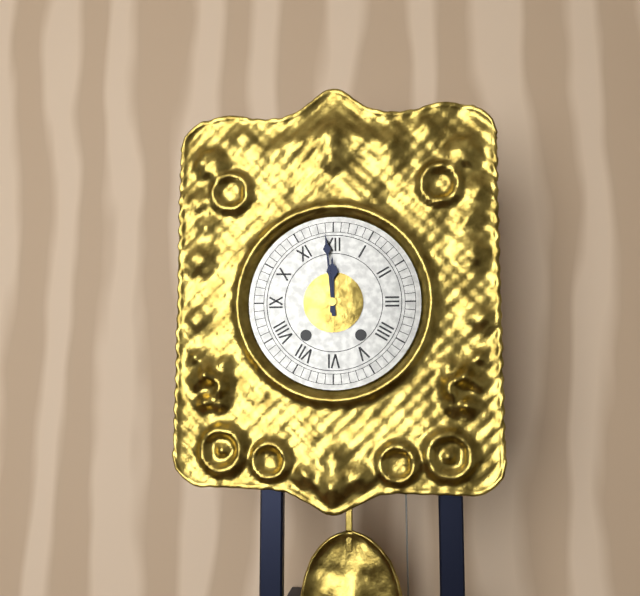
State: h=11 m=59
